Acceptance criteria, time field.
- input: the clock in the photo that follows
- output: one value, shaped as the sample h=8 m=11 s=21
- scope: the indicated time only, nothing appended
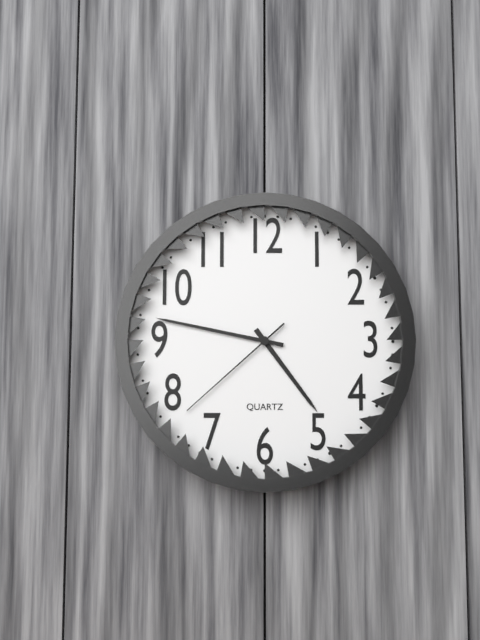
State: h=4 m=47 s=38
